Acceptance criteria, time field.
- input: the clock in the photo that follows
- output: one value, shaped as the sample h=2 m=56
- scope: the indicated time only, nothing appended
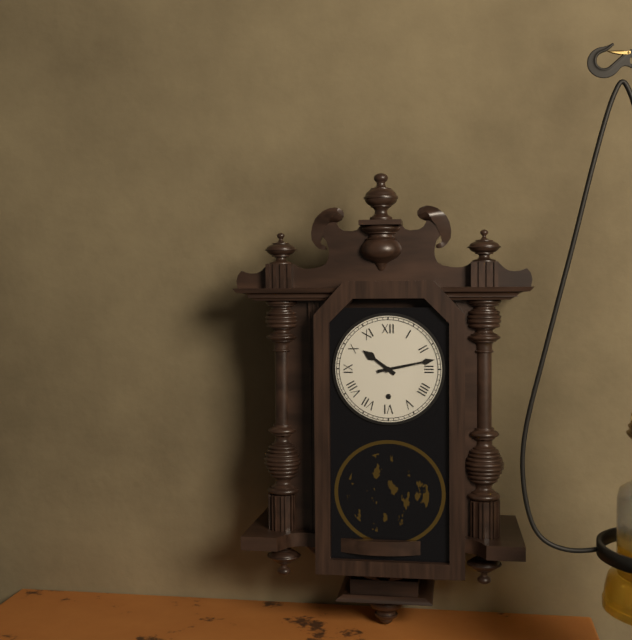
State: h=10 m=13
